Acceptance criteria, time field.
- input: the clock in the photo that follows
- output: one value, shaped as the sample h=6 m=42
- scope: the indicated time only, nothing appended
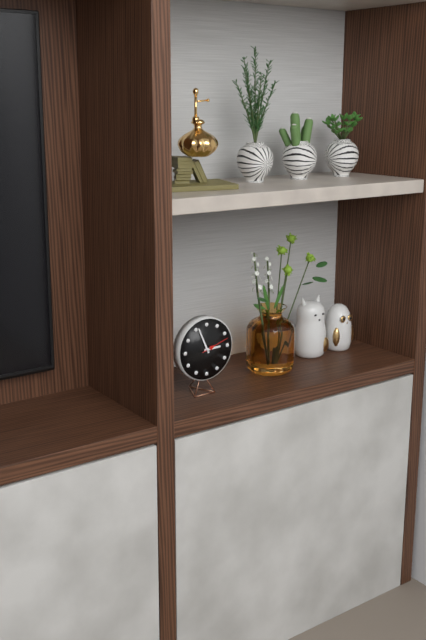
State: h=2 m=56
